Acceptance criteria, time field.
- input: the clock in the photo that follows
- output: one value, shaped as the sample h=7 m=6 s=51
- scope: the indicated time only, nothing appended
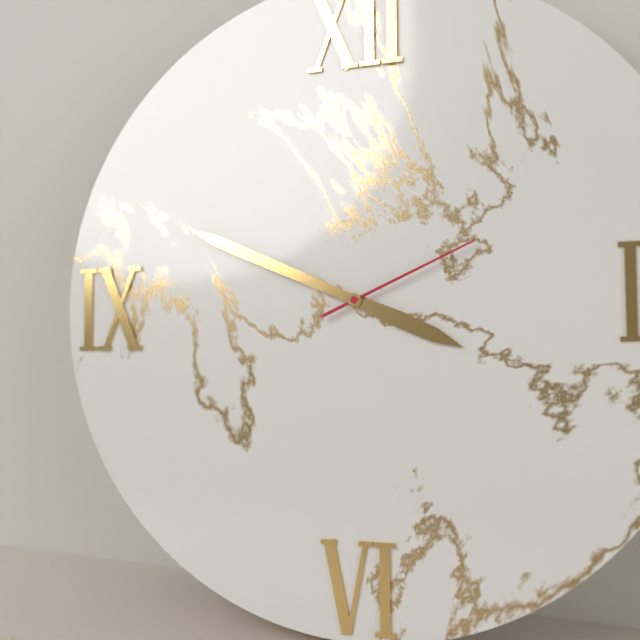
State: h=3 m=49 s=11
